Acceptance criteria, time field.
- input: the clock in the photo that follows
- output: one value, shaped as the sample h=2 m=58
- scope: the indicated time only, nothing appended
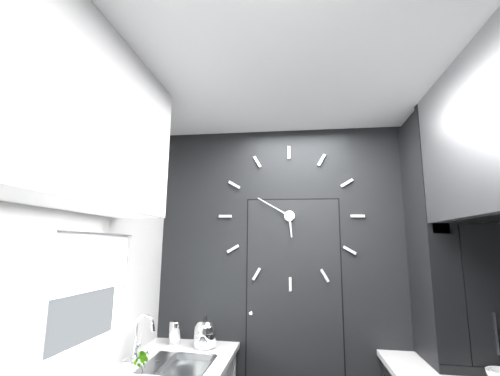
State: h=5 m=50
